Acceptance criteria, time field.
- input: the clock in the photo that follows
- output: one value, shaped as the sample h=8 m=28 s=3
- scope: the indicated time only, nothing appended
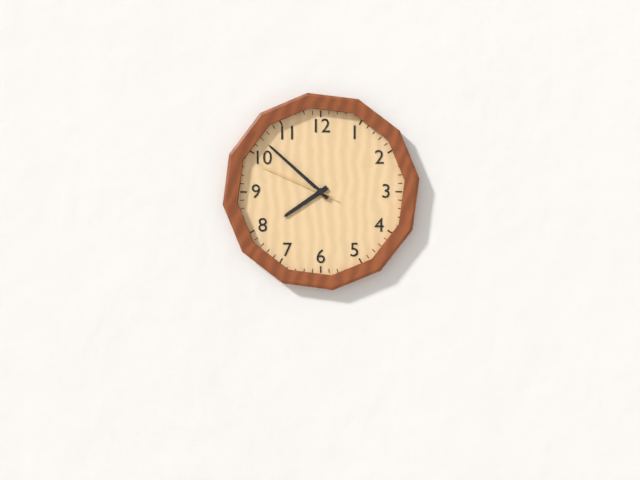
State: h=7 m=52 s=49
